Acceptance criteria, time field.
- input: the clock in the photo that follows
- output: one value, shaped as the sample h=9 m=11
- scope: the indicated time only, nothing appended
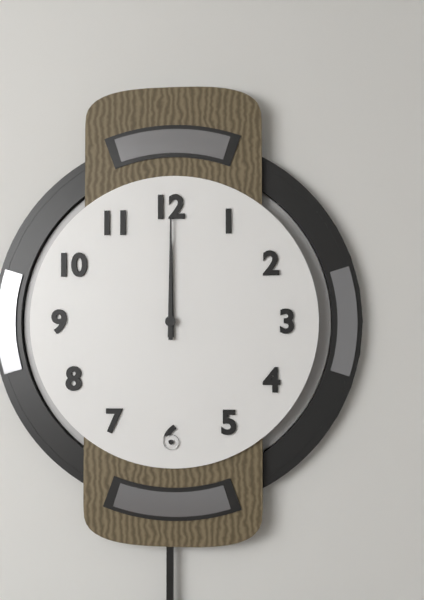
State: h=12 m=0
